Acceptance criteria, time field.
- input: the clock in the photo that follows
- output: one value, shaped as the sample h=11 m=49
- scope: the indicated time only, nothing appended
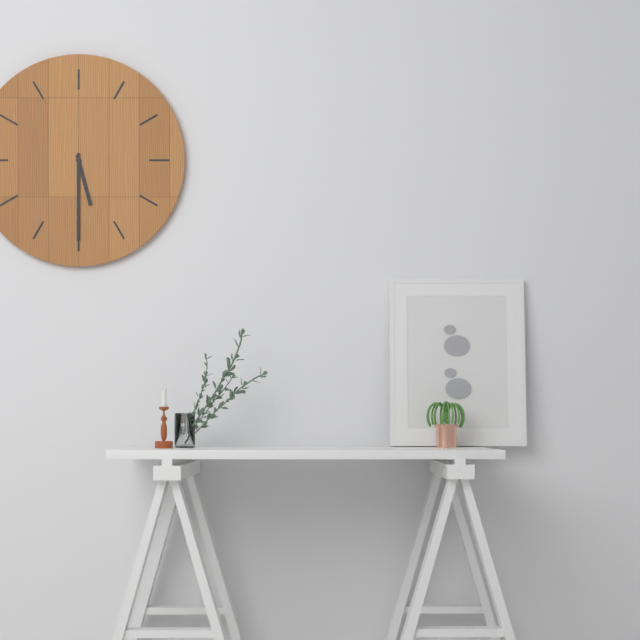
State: h=5 m=30
